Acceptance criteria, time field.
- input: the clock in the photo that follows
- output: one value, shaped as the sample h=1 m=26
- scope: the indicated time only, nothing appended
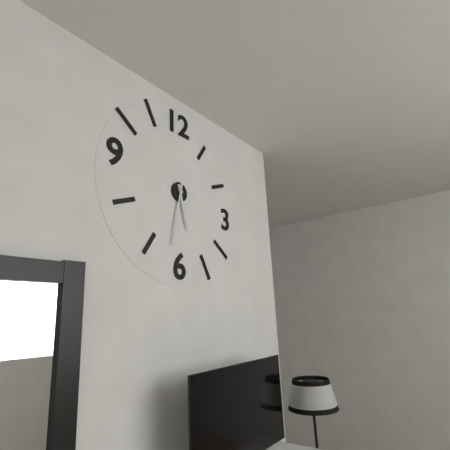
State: h=5 m=32
